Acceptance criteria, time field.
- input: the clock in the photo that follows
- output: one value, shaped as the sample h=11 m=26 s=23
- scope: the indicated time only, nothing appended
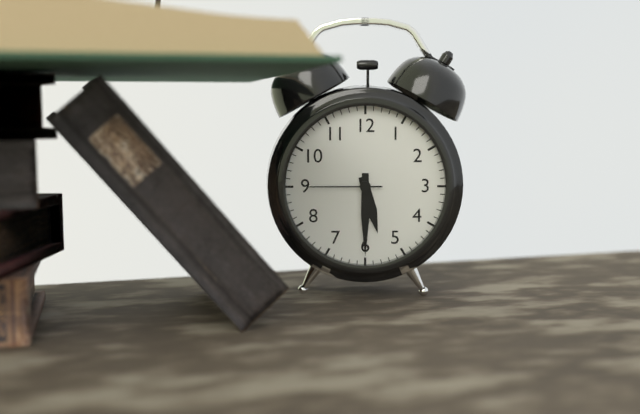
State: h=5 m=30 s=45
